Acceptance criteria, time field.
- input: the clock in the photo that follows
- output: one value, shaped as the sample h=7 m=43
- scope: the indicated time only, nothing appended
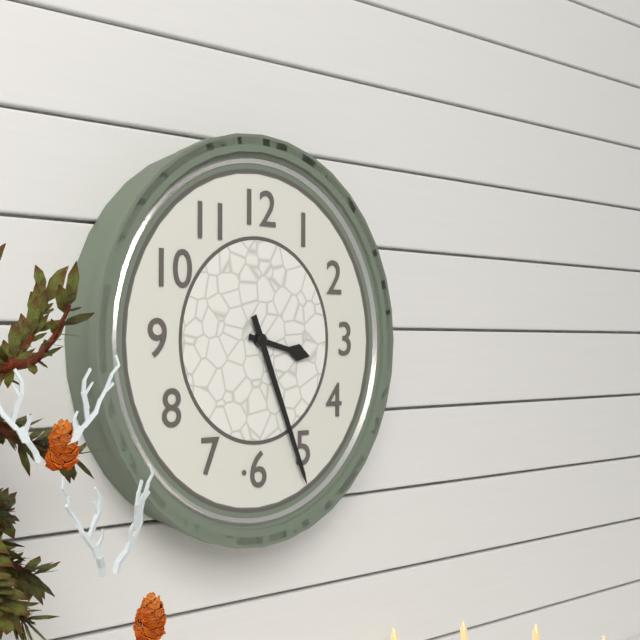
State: h=3 m=26
